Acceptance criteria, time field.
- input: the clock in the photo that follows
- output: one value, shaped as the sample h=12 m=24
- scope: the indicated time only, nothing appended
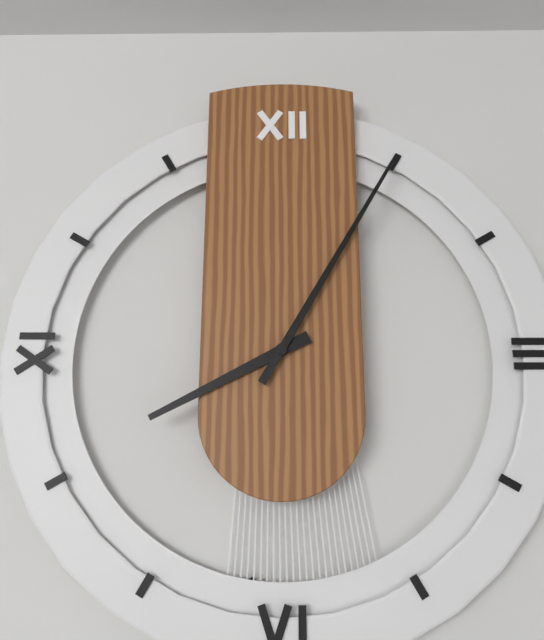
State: h=8 m=5
